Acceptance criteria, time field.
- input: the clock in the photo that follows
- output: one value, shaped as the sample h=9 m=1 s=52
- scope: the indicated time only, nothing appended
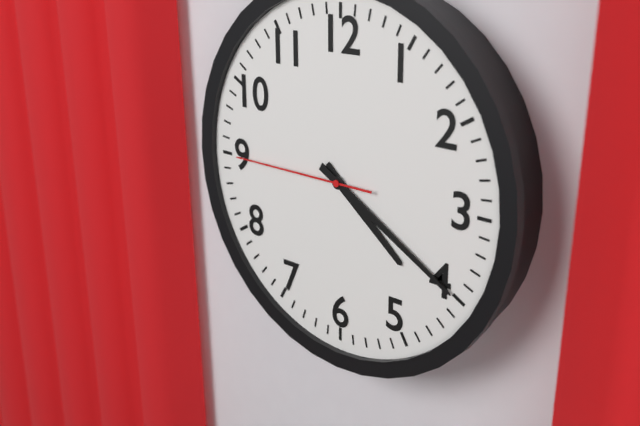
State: h=4 m=20 s=45
